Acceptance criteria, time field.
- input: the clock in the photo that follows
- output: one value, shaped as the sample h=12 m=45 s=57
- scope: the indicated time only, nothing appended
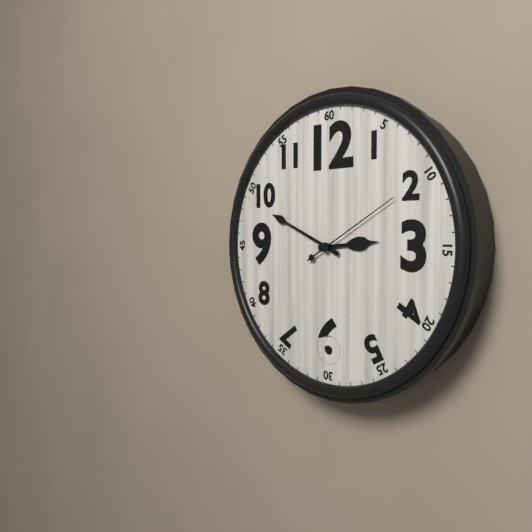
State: h=2 m=49 s=10
